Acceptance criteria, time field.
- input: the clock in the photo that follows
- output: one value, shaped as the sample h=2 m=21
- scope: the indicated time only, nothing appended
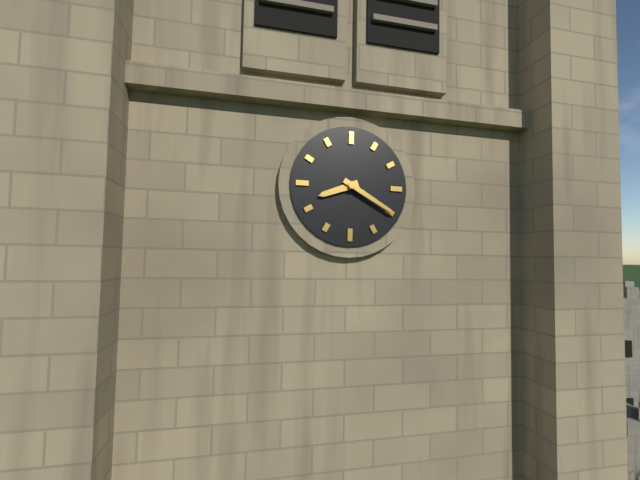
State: h=8 m=20
